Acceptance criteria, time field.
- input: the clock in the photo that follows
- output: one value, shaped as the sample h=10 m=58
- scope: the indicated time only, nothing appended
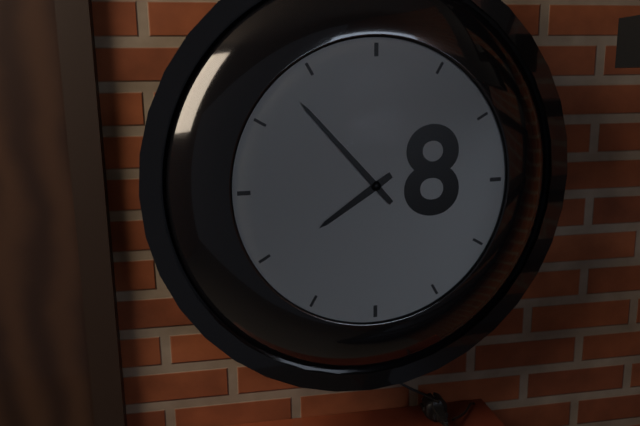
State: h=7 m=53
